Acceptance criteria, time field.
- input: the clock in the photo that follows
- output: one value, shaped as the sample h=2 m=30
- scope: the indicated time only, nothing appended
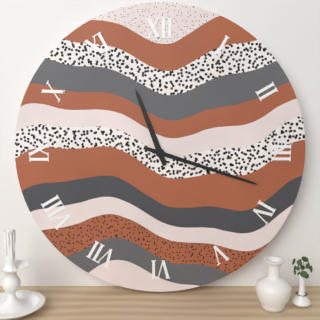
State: h=11 m=18
